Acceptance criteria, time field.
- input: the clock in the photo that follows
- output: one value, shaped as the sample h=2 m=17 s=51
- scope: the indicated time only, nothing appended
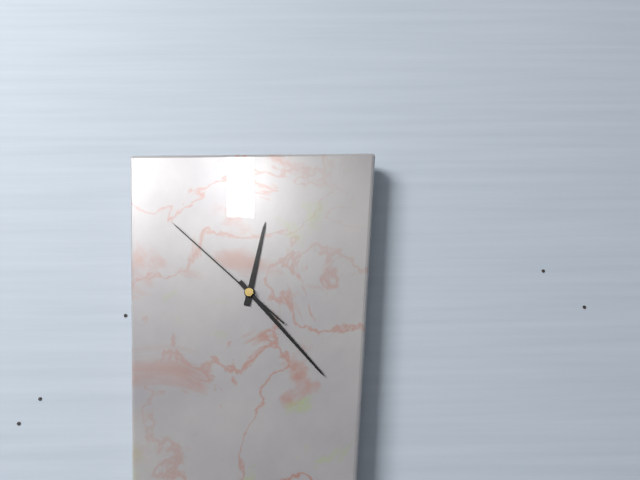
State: h=12 m=23 s=52
